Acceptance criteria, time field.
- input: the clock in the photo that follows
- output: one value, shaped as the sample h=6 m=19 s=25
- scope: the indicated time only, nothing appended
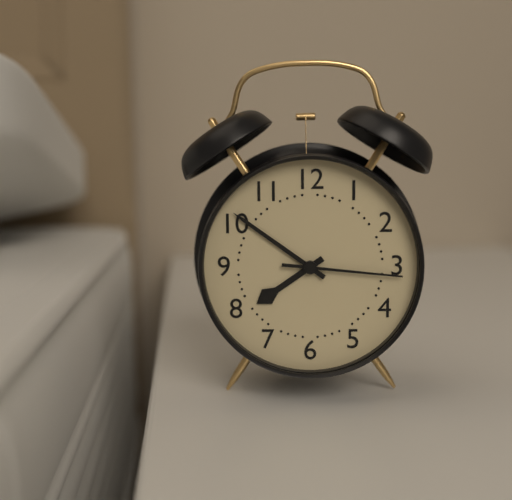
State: h=7 m=51 s=16
